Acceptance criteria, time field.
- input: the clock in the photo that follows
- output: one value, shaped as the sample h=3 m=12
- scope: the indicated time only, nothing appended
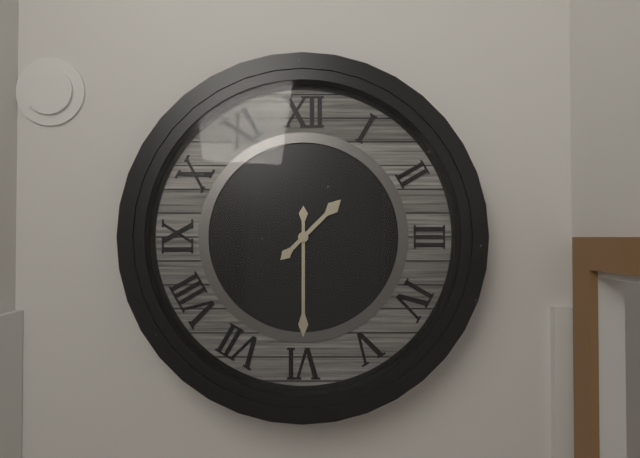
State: h=1 m=30
